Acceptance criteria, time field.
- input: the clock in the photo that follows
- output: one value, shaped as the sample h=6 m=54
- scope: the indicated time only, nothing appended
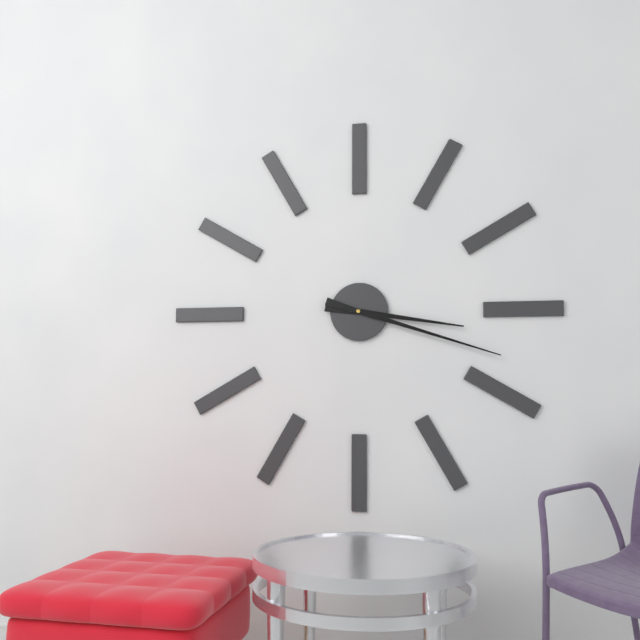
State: h=3 m=18
